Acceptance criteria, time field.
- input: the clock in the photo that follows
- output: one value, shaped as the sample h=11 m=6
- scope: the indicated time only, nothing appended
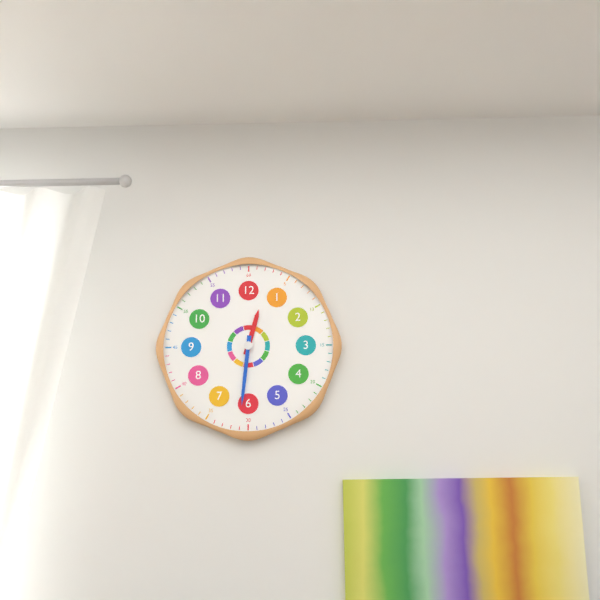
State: h=12 m=31
